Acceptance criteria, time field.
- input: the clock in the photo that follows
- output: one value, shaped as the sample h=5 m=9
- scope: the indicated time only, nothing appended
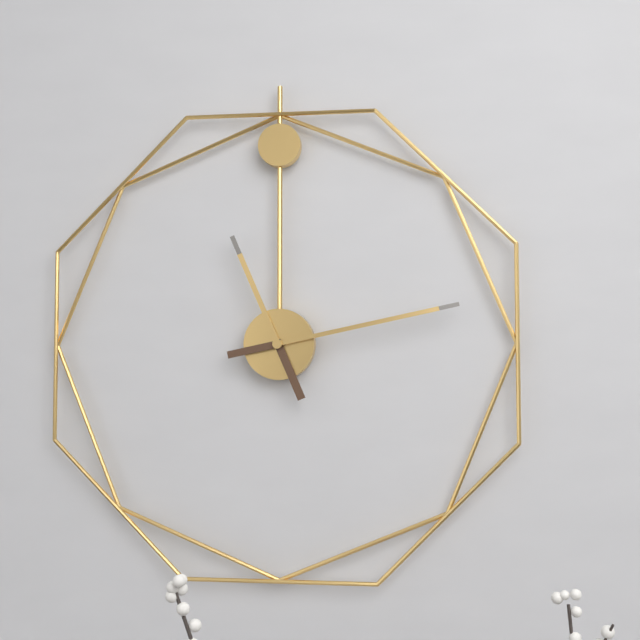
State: h=11 m=13
